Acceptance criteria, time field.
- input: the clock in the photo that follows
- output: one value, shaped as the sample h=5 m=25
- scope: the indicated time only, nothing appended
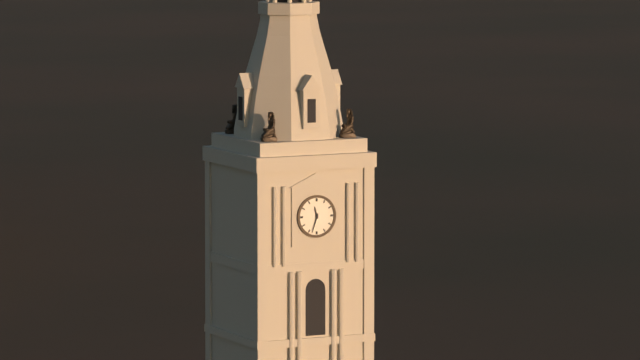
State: h=11 m=33
